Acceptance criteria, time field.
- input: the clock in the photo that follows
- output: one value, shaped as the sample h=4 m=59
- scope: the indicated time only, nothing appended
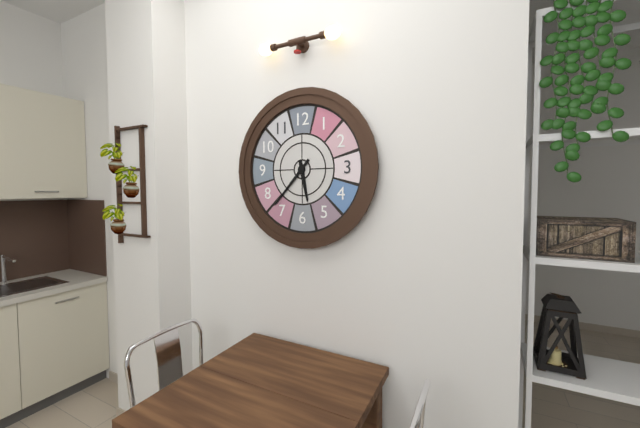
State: h=5 m=37
